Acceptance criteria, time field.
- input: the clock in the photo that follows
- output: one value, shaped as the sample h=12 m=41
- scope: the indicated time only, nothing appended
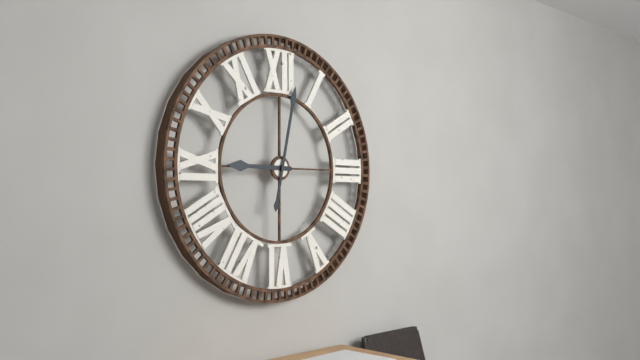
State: h=9 m=2
